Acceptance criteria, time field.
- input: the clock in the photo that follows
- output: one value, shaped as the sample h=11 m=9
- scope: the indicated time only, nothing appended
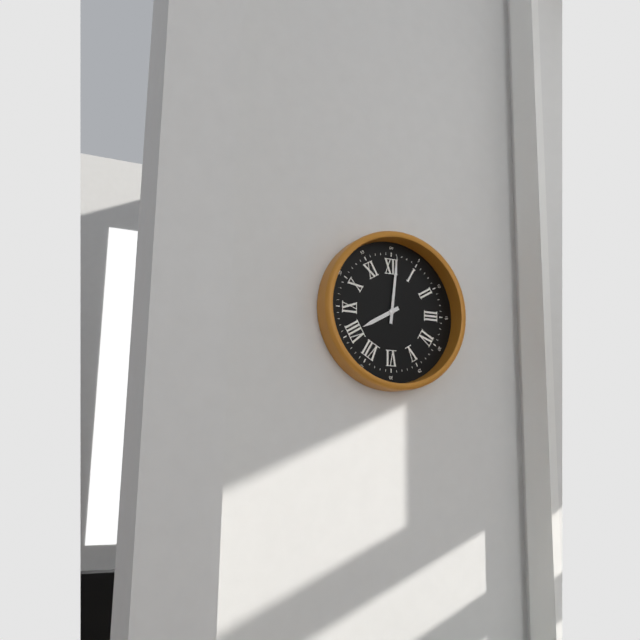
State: h=8 m=1
